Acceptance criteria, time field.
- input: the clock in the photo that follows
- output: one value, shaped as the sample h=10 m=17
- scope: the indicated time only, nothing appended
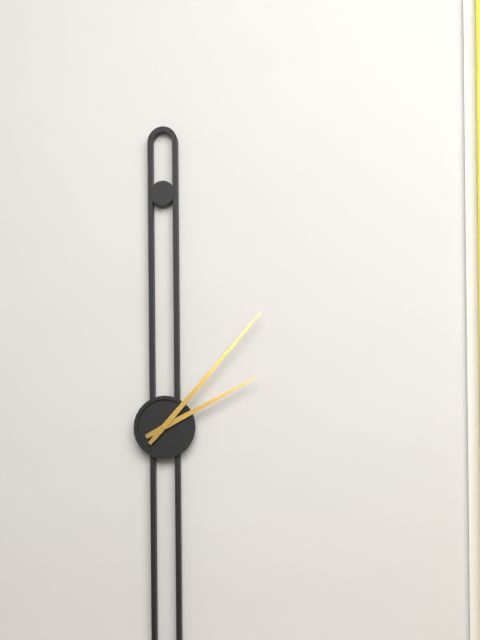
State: h=2 m=7
